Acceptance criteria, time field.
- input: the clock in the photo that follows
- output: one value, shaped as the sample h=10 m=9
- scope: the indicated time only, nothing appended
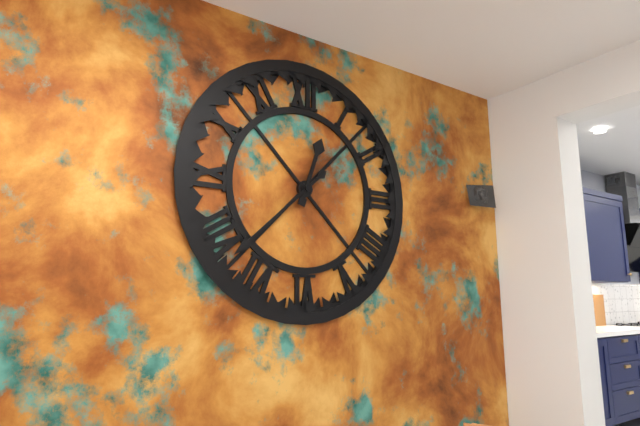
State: h=12 m=38
